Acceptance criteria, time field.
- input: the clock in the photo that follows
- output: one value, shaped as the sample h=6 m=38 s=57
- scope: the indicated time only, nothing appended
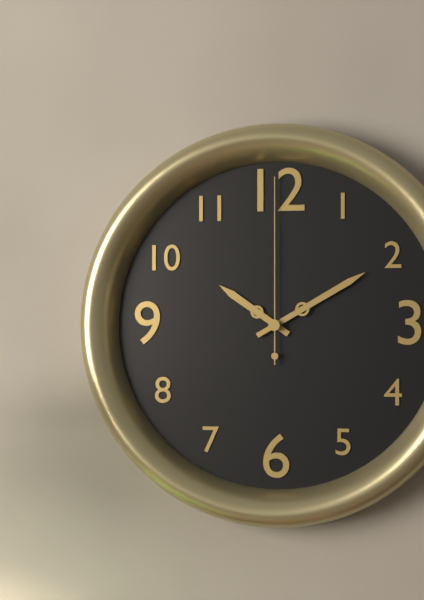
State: h=10 m=10 s=0
